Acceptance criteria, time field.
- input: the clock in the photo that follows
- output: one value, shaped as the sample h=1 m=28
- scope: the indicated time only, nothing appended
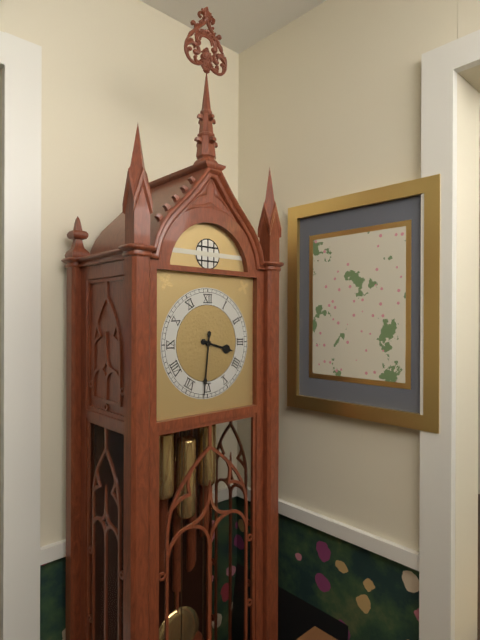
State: h=3 m=31
